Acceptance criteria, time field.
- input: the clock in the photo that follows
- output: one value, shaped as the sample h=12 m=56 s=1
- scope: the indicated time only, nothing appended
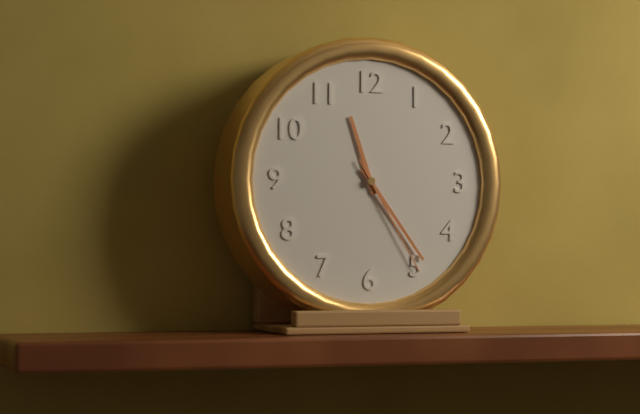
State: h=11 m=24 s=25
